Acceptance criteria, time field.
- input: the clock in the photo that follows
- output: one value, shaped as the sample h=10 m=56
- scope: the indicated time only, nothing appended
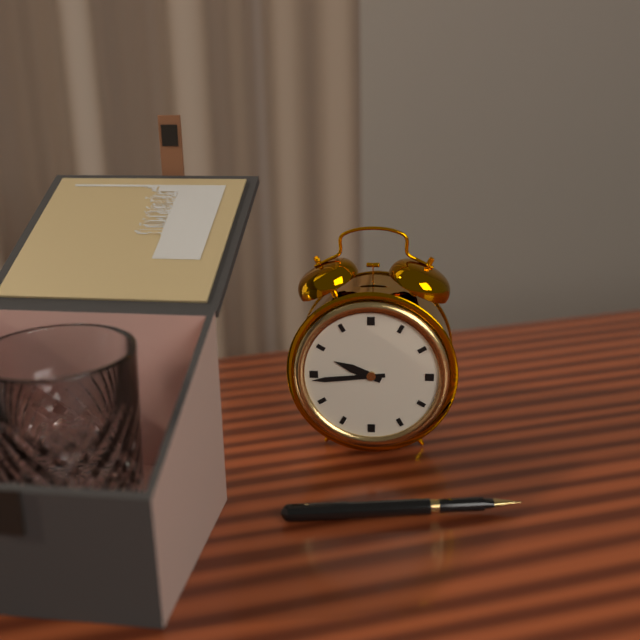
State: h=9 m=44
